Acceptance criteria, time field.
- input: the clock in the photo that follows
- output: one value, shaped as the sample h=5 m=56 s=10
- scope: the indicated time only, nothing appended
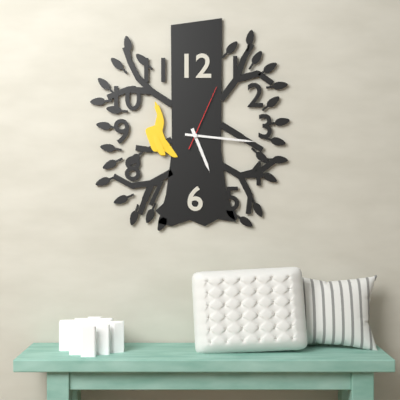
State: h=5 m=16 s=4
